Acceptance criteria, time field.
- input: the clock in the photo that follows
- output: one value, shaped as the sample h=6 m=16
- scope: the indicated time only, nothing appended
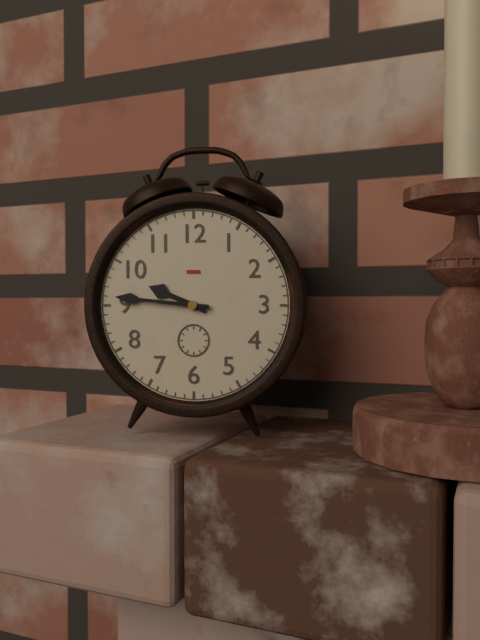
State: h=9 m=46
